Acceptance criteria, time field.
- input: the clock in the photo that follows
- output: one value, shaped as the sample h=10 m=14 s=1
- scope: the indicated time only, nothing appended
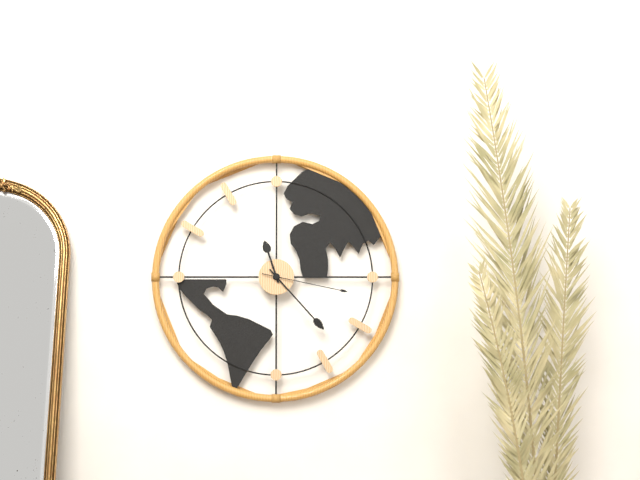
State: h=11 m=23 s=17
